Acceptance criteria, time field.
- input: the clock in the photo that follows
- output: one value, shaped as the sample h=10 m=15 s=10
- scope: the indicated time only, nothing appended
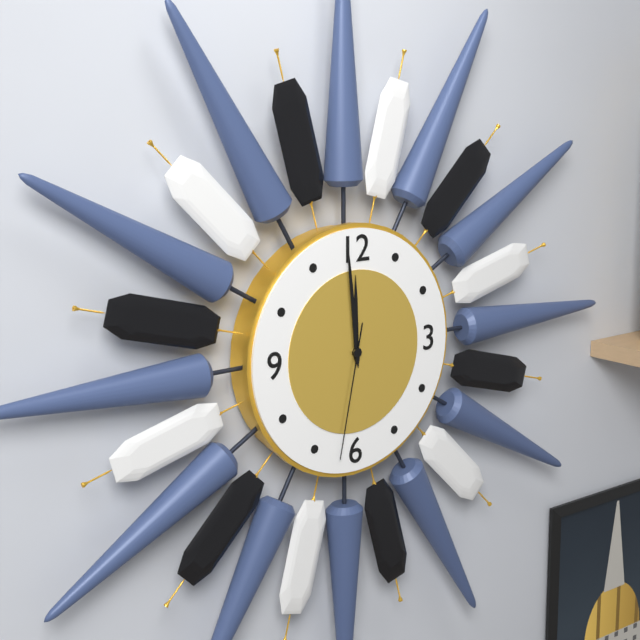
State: h=11 m=59 s=32
